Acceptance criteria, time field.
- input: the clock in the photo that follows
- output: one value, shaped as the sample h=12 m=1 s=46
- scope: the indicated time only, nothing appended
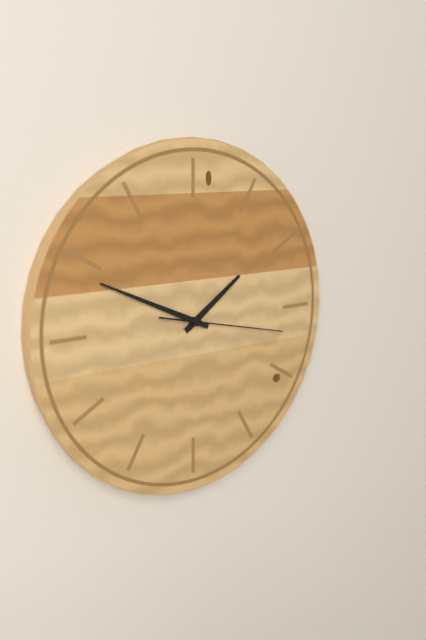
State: h=1 m=49 s=17
